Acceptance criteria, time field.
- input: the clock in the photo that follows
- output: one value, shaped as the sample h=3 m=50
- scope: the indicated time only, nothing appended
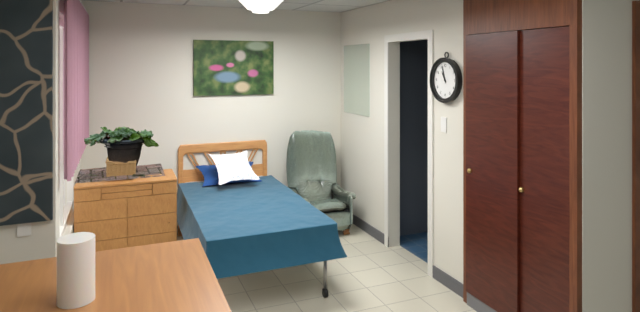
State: h=10 m=57
